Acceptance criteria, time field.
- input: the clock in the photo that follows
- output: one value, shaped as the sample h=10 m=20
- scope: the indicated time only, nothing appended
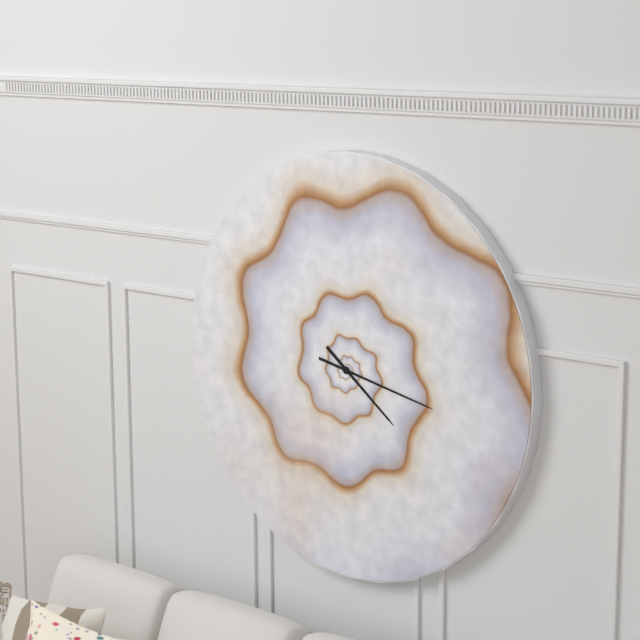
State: h=4 m=17
